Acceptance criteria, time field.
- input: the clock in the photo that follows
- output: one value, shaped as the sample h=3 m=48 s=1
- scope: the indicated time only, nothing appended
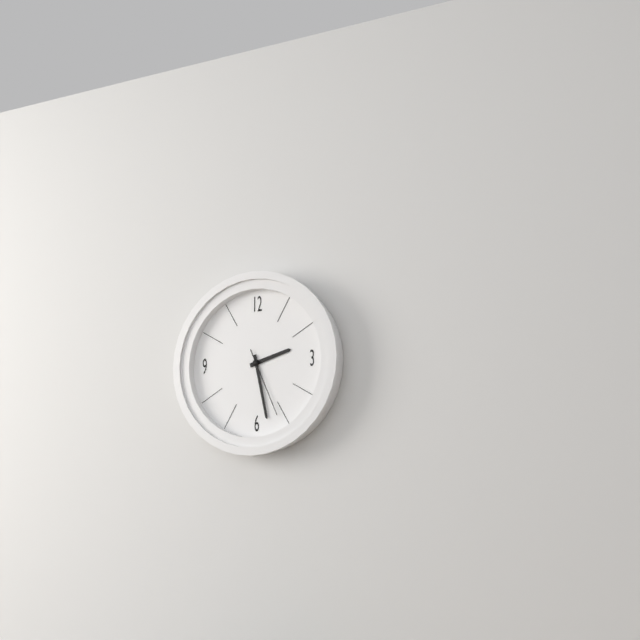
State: h=2 m=28 s=26
